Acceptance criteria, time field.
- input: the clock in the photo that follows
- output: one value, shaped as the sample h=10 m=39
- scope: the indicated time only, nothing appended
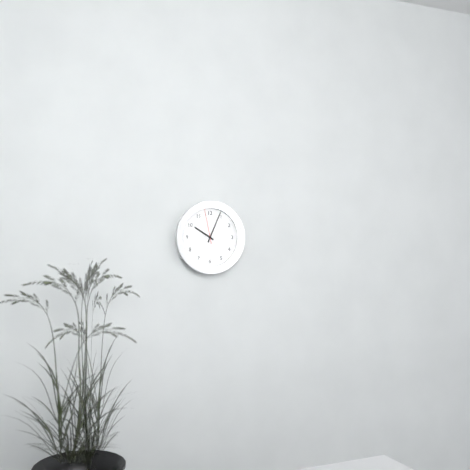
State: h=10 m=4
